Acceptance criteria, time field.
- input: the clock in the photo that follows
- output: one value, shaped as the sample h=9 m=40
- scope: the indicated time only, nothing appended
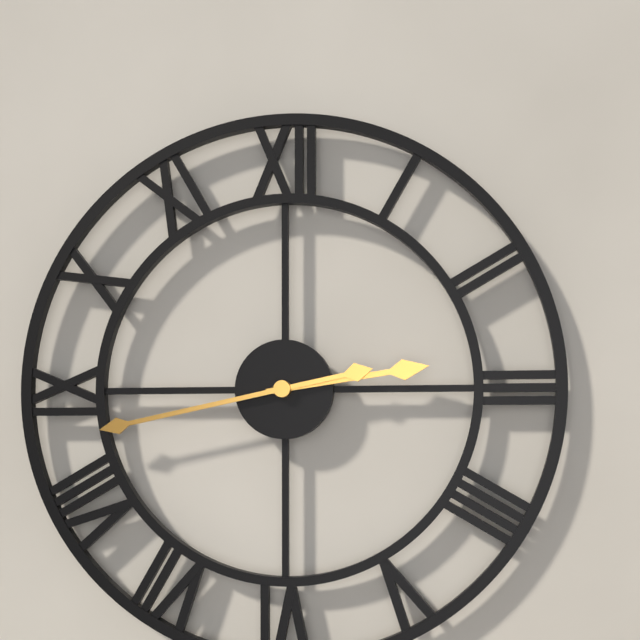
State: h=2 m=43
